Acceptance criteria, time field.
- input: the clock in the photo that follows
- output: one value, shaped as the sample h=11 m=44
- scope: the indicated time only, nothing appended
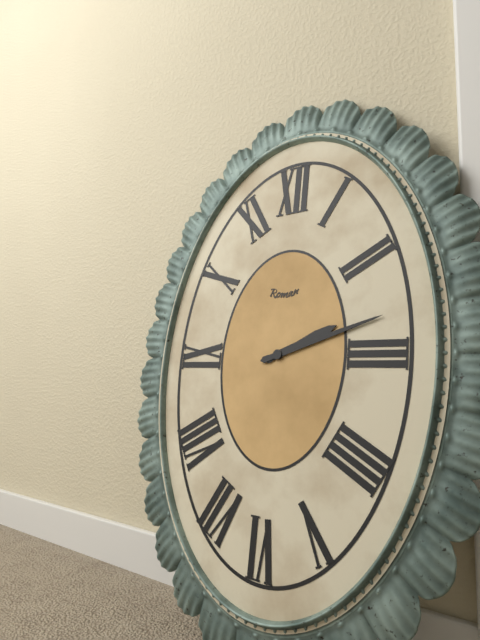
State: h=2 m=12
